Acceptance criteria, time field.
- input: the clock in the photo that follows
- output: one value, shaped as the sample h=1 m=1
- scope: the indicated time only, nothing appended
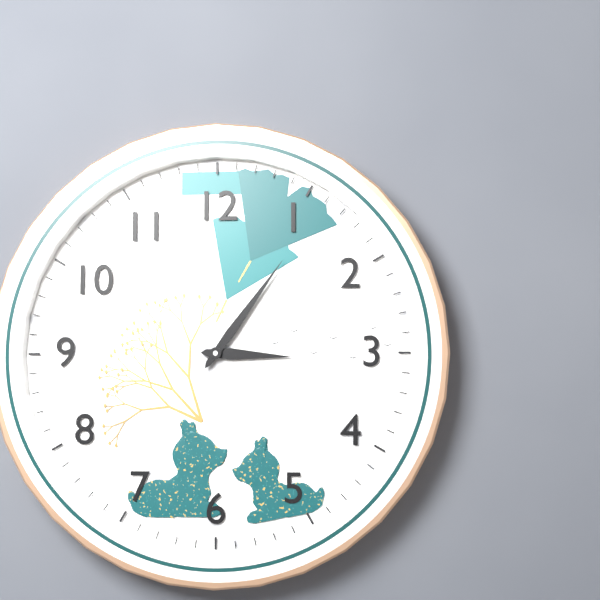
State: h=3 m=6
